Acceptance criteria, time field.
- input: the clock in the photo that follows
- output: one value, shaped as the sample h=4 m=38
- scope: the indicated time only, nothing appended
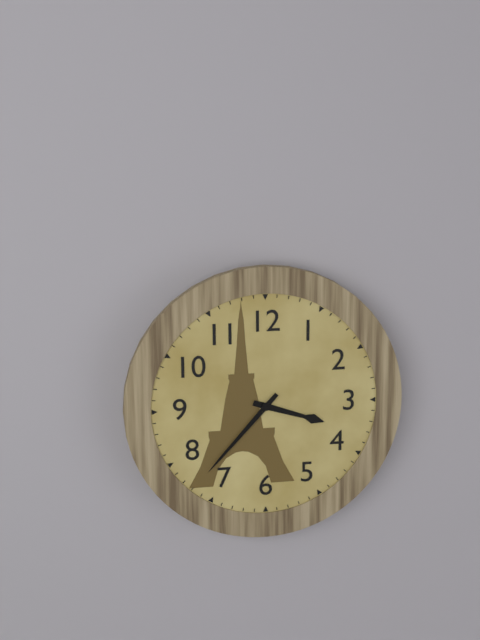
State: h=3 m=37
